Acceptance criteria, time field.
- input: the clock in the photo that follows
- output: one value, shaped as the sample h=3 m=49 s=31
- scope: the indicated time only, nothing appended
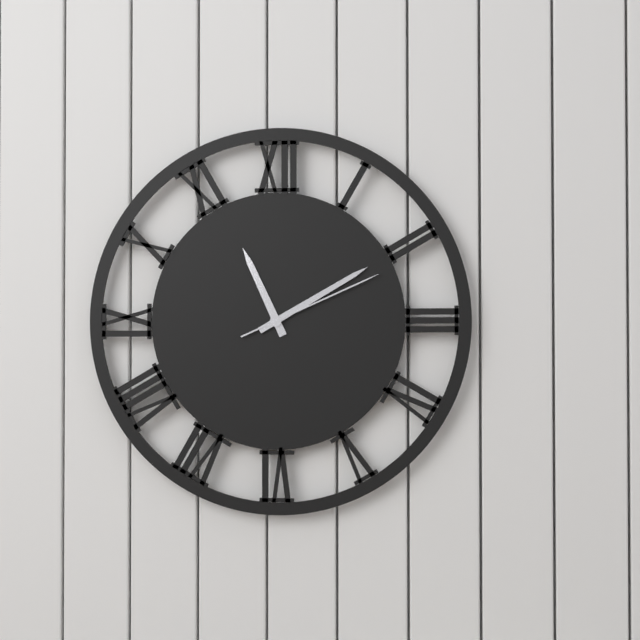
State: h=11 m=10 s=11
